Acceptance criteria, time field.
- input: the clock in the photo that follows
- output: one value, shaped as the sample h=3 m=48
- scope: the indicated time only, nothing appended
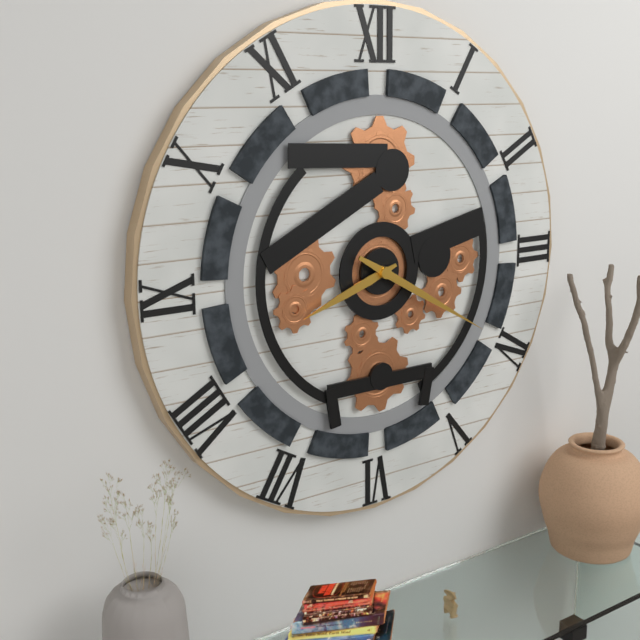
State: h=8 m=20
